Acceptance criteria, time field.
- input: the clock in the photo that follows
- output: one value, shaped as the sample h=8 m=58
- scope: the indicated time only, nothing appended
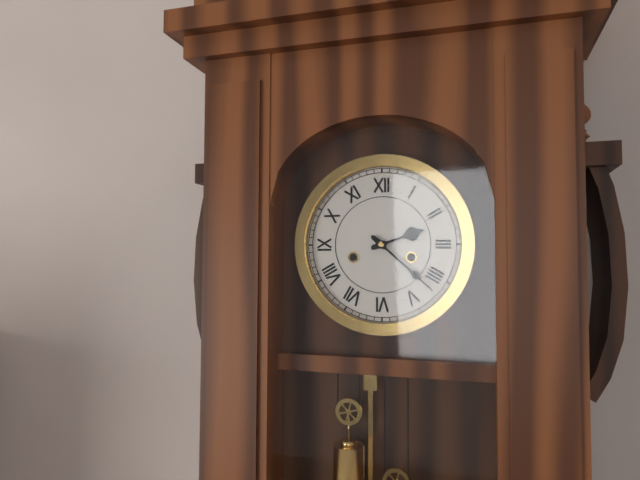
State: h=2 m=22
